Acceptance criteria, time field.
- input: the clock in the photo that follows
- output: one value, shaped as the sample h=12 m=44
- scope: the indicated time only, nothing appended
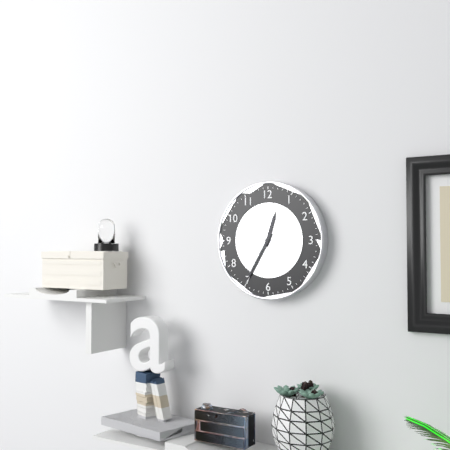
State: h=12 m=35
